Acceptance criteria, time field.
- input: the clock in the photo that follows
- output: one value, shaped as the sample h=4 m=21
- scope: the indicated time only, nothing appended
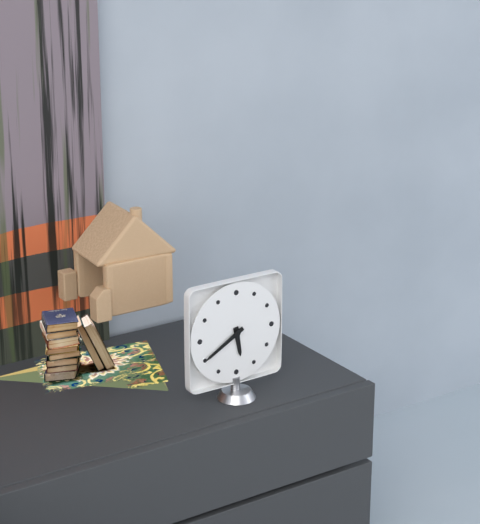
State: h=5 m=40
